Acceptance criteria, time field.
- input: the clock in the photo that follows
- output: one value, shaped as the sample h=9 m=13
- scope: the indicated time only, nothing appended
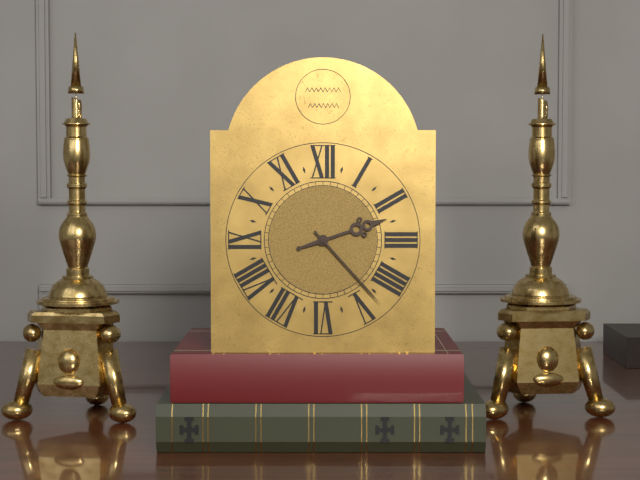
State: h=2 m=23
